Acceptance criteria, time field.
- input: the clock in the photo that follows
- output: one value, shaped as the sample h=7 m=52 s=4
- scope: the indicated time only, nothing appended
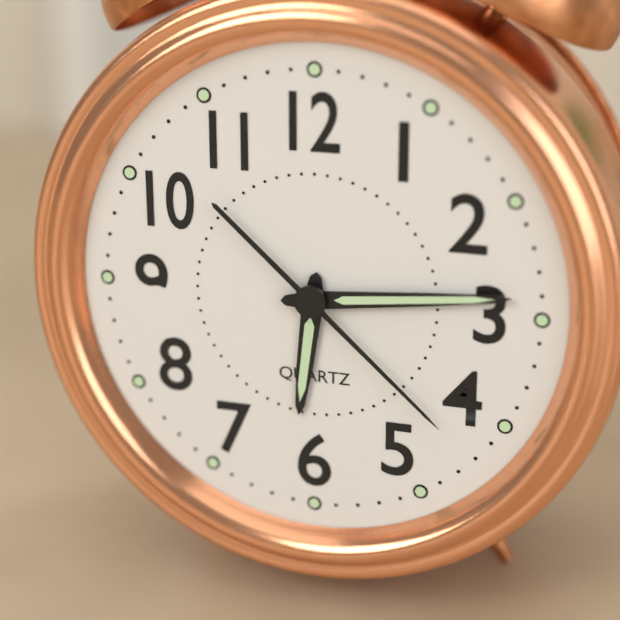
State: h=6 m=14 s=22
